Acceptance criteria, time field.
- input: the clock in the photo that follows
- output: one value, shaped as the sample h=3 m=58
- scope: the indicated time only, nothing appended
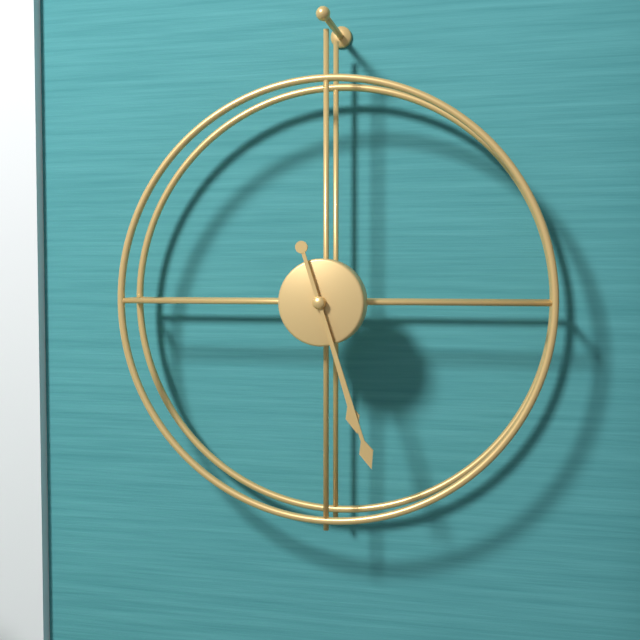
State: h=5 m=27
